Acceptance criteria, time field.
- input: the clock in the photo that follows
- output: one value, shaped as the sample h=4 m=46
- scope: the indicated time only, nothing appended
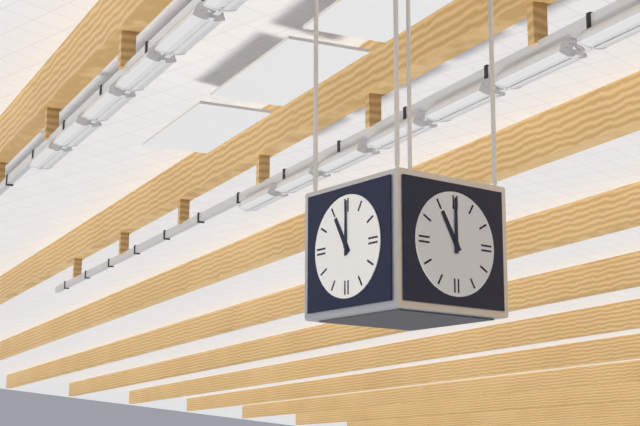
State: h=11 m=0
